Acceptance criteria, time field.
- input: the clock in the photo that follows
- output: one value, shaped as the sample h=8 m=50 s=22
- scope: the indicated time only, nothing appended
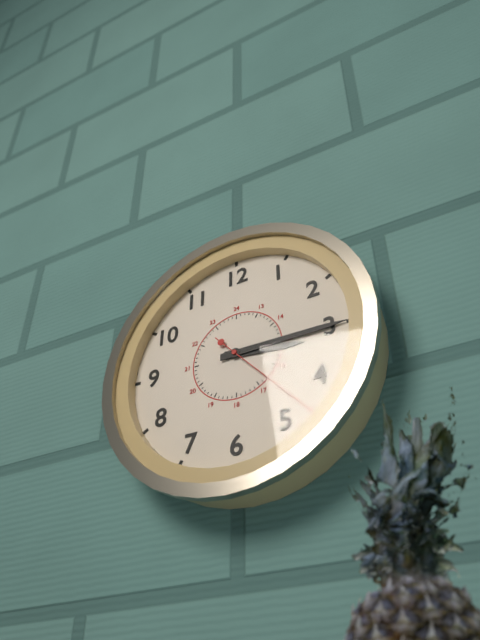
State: h=3 m=15 s=23
